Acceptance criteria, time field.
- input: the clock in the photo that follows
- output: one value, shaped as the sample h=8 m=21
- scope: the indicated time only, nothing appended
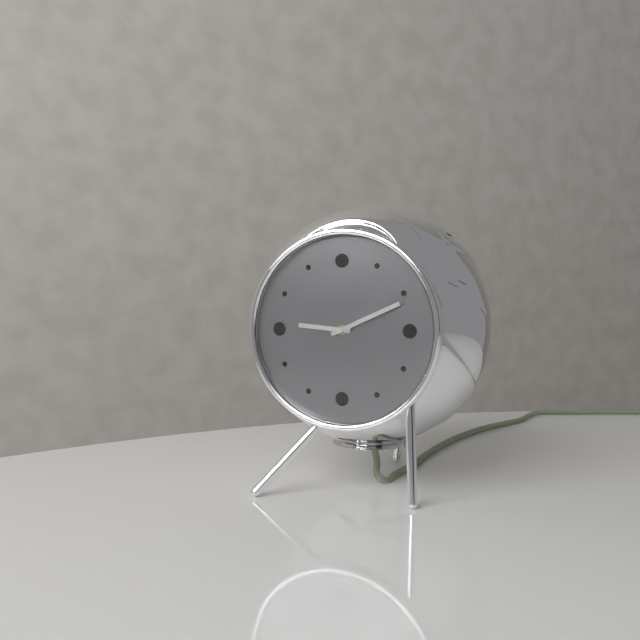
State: h=9 m=11
